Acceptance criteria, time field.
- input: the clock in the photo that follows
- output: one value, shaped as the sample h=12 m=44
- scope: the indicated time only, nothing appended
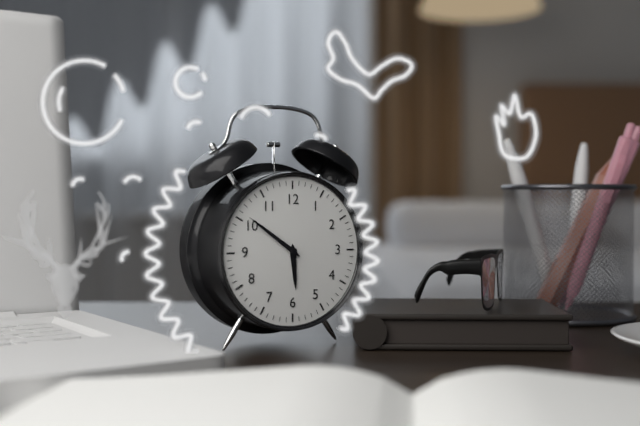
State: h=5 m=51
